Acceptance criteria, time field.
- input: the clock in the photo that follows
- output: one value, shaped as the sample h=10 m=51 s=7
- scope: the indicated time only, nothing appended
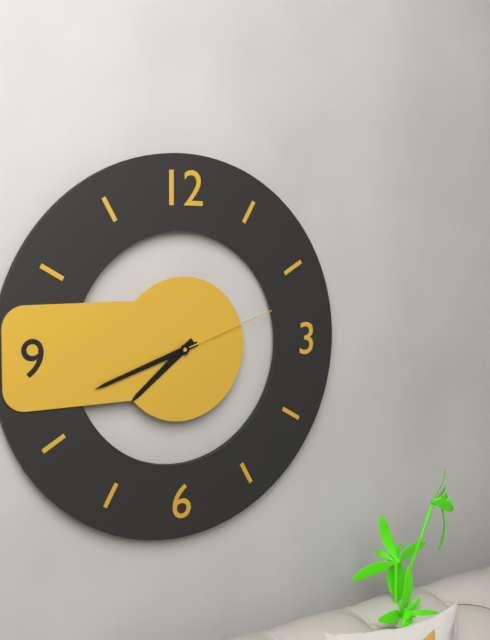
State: h=7 m=42 s=12
